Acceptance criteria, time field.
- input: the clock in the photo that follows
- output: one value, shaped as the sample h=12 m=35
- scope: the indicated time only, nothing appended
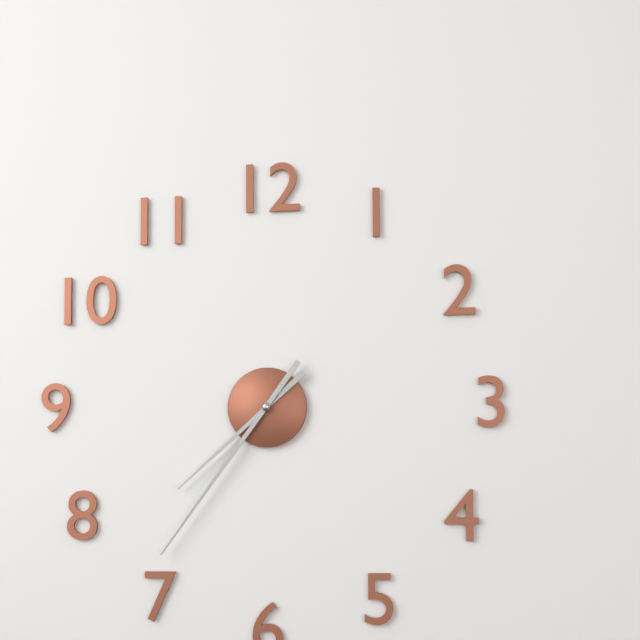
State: h=7 m=36
